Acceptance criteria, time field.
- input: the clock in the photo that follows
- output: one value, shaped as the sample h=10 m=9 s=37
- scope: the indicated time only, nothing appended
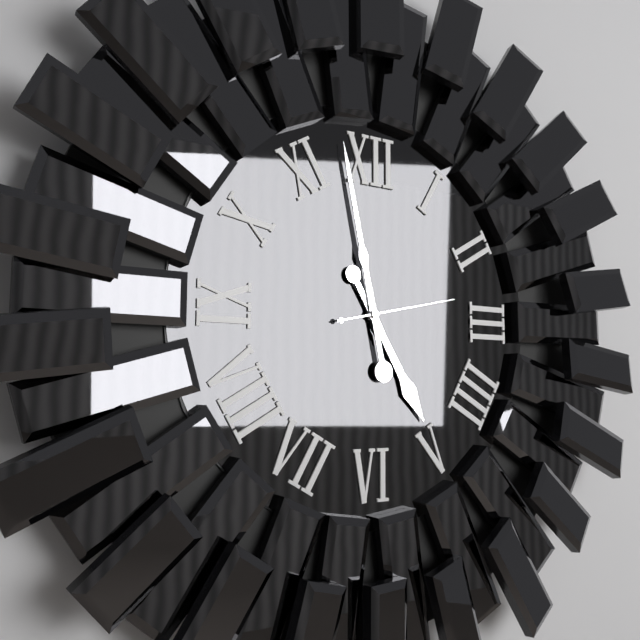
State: h=4 m=58 s=13
